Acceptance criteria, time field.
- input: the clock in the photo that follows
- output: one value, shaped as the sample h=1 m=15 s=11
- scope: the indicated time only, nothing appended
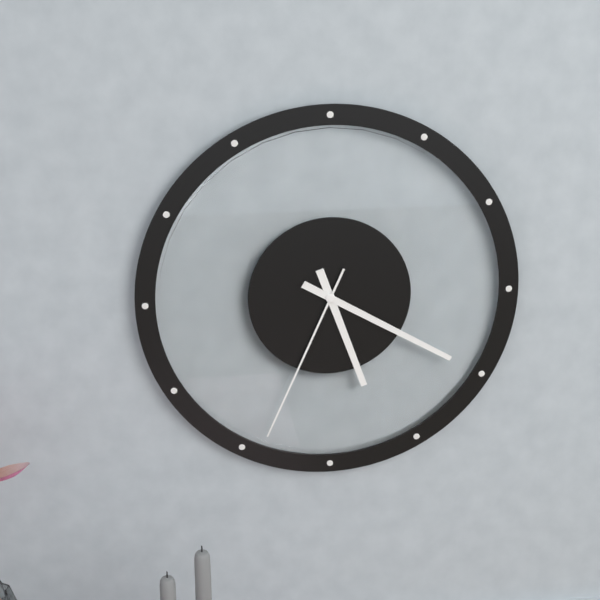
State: h=5 m=20 s=34
